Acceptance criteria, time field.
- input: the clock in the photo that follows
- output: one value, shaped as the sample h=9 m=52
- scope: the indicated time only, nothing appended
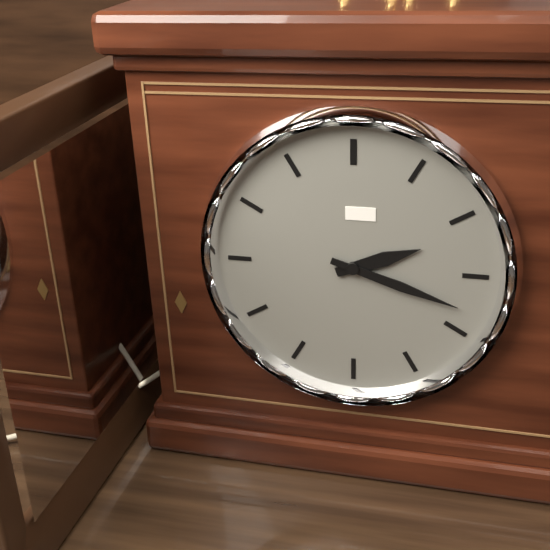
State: h=2 m=18
